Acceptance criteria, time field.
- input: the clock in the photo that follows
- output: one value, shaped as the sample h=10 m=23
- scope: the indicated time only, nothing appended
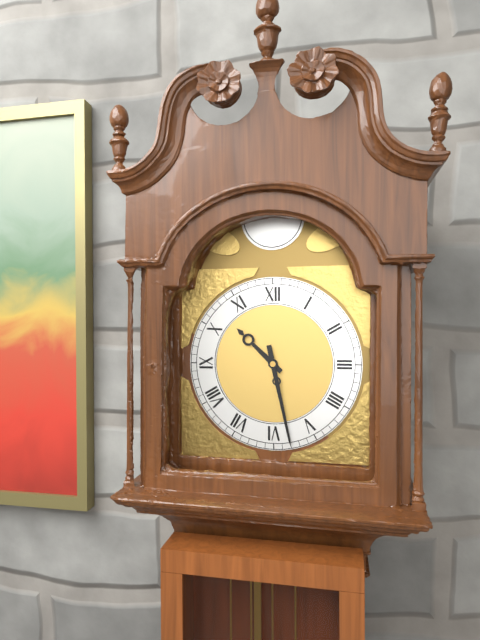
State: h=10 m=28
